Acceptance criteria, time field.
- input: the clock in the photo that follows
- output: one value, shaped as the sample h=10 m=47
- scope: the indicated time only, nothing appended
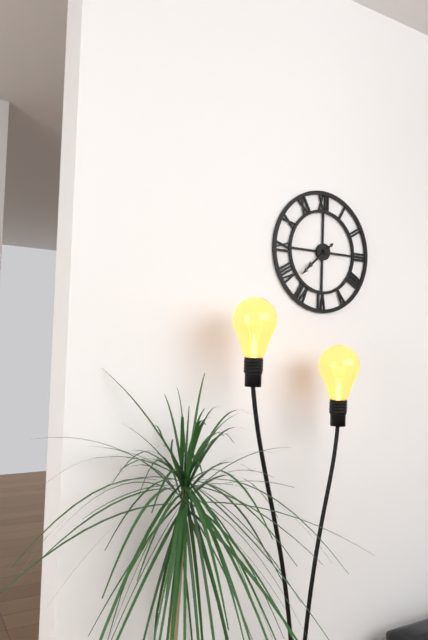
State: h=7 m=38
